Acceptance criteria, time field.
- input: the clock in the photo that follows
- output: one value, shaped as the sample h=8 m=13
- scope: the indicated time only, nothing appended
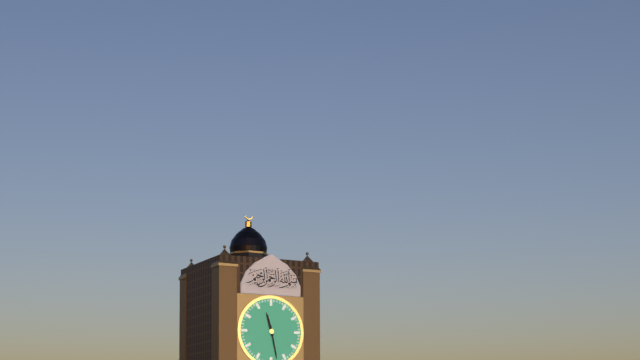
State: h=11 m=28
